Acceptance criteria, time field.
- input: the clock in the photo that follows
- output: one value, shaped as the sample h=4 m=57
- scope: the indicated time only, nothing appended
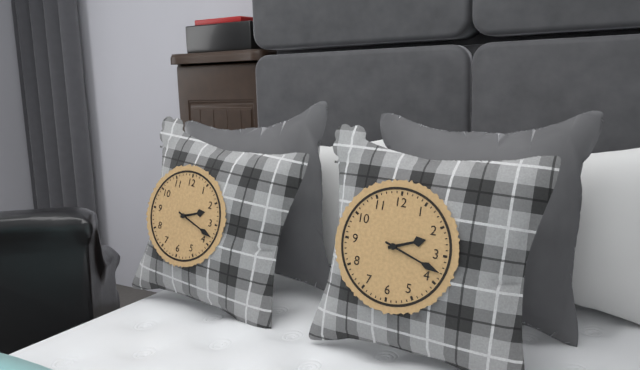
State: h=2 m=18
